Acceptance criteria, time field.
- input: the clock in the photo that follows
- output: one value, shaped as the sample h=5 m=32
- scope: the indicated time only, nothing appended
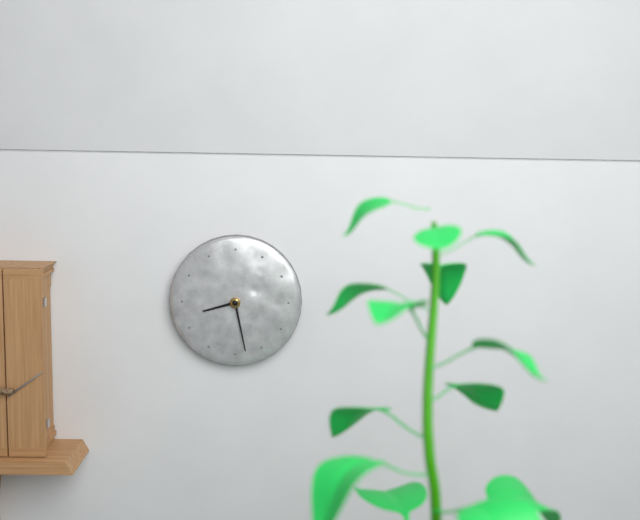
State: h=8 m=28
